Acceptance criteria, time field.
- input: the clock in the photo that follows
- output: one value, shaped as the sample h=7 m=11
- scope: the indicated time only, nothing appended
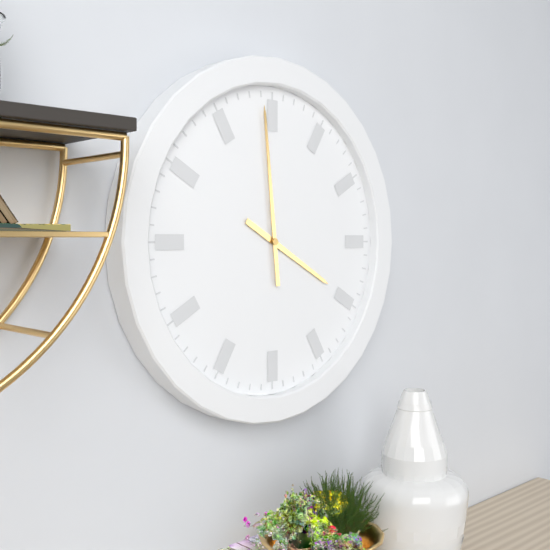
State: h=3 m=59
